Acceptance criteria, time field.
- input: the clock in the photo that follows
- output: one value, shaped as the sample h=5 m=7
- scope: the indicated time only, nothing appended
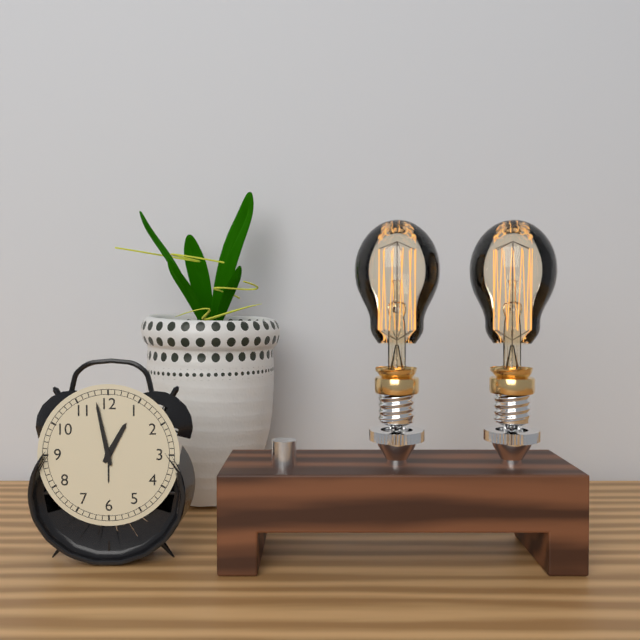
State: h=12 m=58
